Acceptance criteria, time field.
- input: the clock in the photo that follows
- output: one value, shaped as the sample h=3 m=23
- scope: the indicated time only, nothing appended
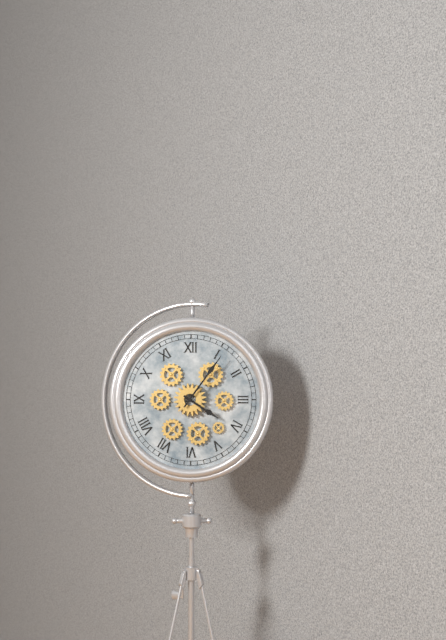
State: h=4 m=6
